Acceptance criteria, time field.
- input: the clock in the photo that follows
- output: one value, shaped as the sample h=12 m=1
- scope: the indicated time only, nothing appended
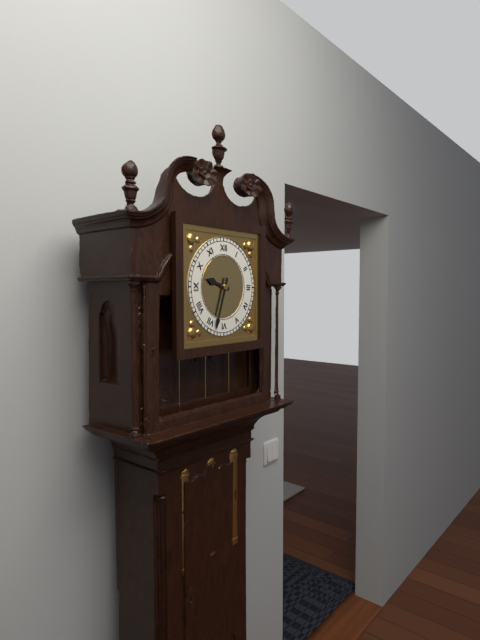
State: h=9 m=33
